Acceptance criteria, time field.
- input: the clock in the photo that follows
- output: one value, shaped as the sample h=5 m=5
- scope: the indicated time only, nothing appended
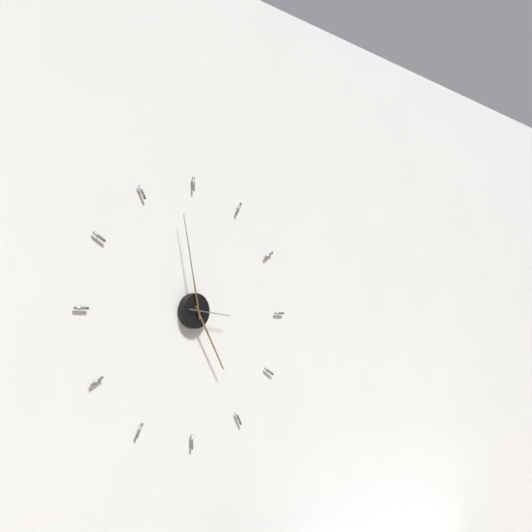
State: h=4 m=58
